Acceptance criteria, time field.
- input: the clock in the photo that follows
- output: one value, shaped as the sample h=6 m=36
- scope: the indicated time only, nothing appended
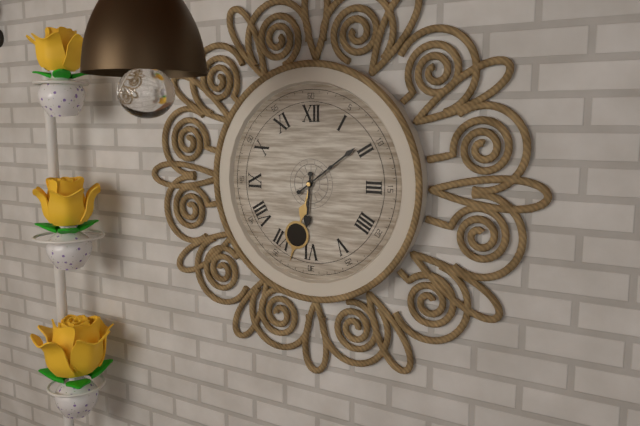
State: h=6 m=9
